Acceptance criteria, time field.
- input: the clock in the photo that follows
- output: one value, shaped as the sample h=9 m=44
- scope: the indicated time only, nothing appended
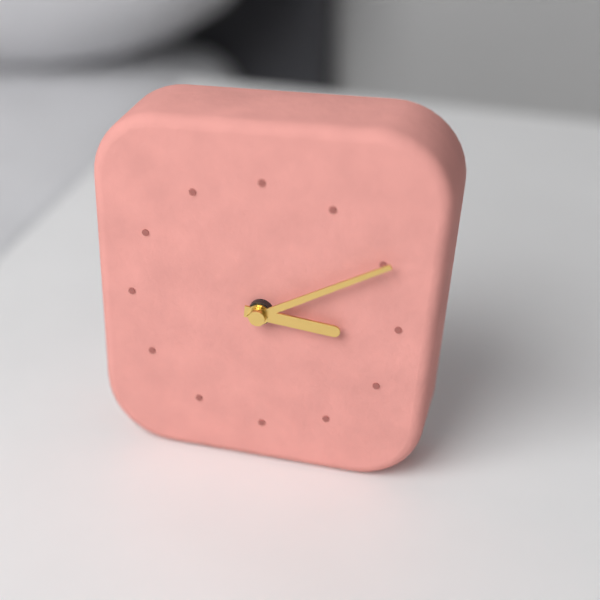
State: h=3 m=10
